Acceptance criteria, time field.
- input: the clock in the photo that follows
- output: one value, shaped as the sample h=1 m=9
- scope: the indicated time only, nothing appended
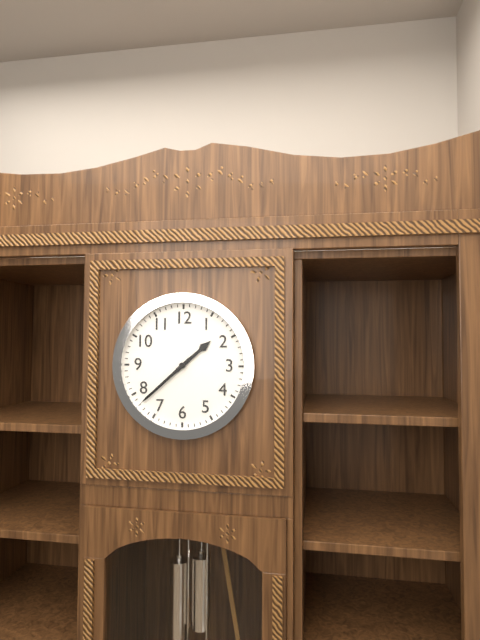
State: h=1 m=38
